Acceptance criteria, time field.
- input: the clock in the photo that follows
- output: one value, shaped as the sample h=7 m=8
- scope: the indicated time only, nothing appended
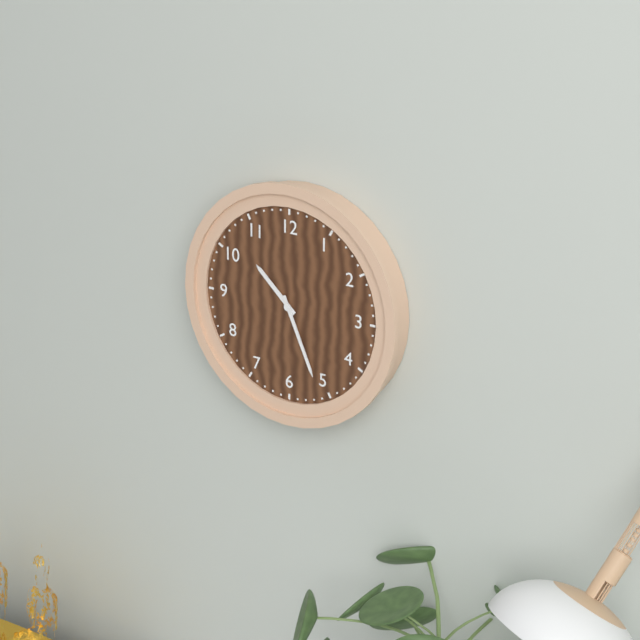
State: h=10 m=26
